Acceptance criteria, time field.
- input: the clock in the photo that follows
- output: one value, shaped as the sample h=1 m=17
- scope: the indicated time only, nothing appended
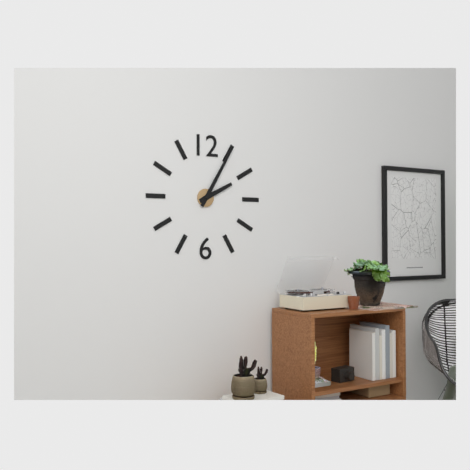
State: h=2 m=5
